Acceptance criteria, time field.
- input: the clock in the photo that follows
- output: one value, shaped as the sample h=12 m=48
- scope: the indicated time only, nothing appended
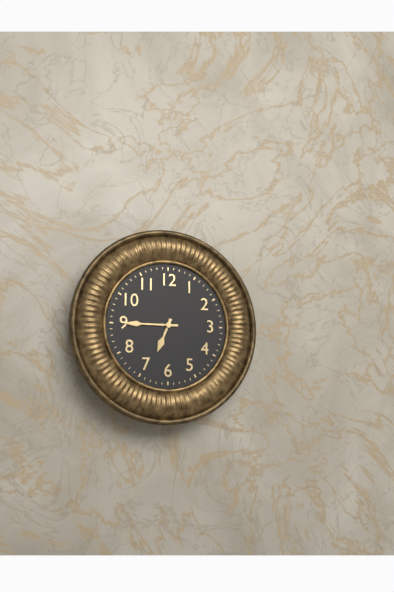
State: h=6 m=45
